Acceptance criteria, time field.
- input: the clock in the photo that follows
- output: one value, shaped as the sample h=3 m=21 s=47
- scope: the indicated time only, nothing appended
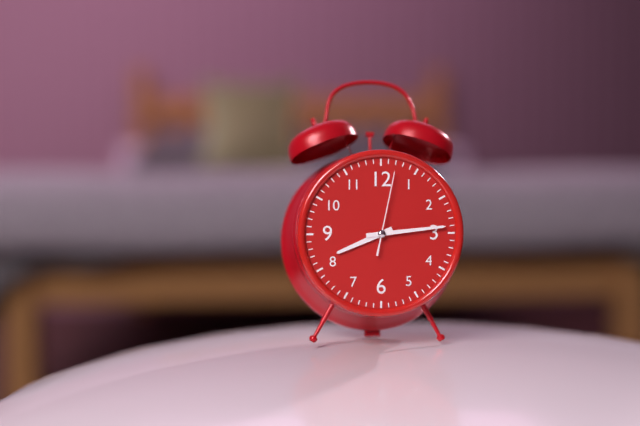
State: h=8 m=14 s=2
